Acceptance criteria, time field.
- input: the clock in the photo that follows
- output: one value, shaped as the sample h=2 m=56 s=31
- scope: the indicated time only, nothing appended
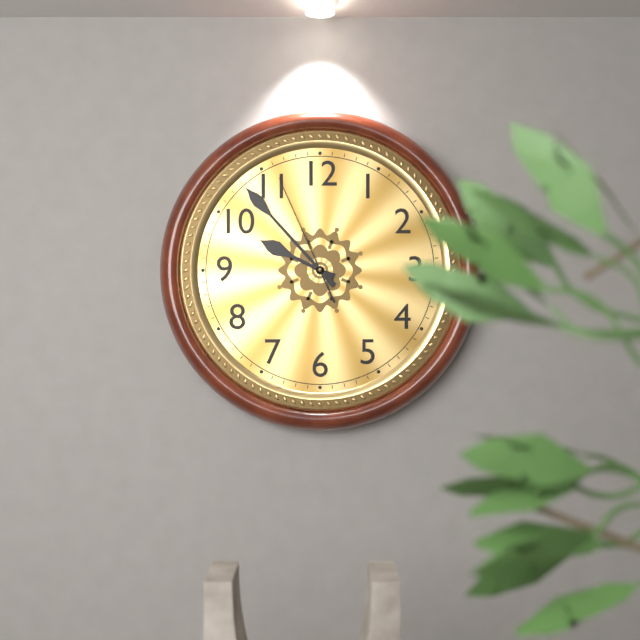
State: h=9 m=53 s=56
